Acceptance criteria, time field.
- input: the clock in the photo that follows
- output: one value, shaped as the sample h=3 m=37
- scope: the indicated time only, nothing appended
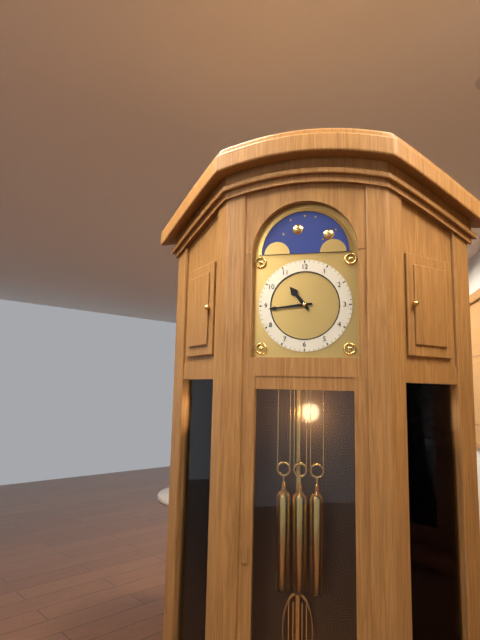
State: h=10 m=44
